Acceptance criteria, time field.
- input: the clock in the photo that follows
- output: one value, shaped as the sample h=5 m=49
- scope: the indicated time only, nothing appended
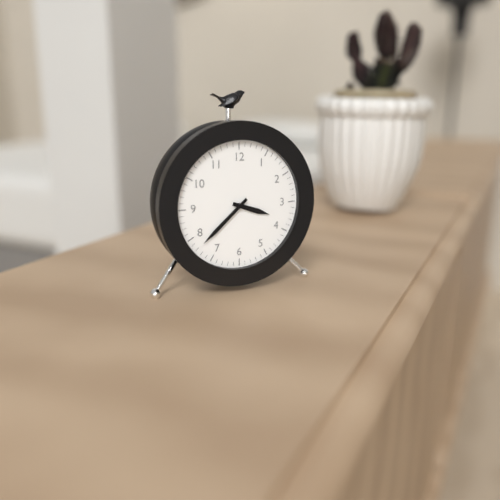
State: h=3 m=38
